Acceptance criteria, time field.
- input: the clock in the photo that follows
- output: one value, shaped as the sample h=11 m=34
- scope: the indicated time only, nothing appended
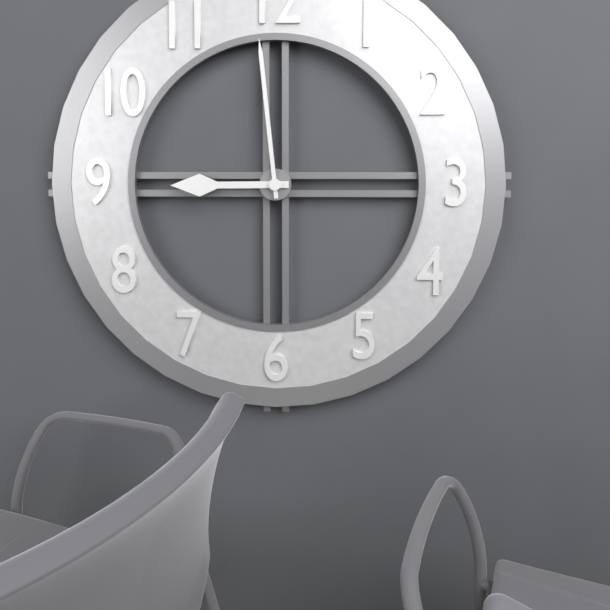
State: h=8 m=59
